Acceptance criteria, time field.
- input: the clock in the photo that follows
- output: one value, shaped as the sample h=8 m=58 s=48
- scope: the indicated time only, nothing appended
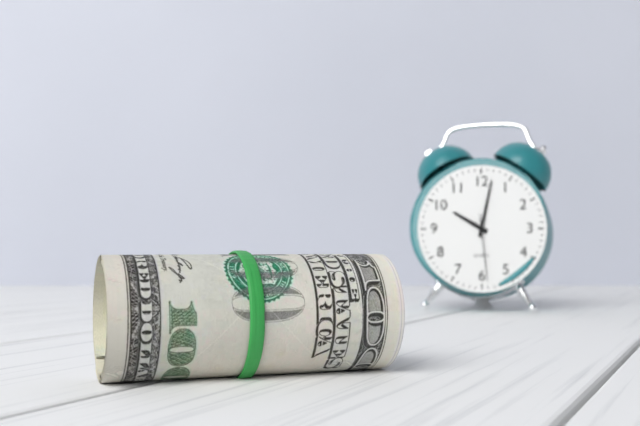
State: h=10 m=2 s=29
